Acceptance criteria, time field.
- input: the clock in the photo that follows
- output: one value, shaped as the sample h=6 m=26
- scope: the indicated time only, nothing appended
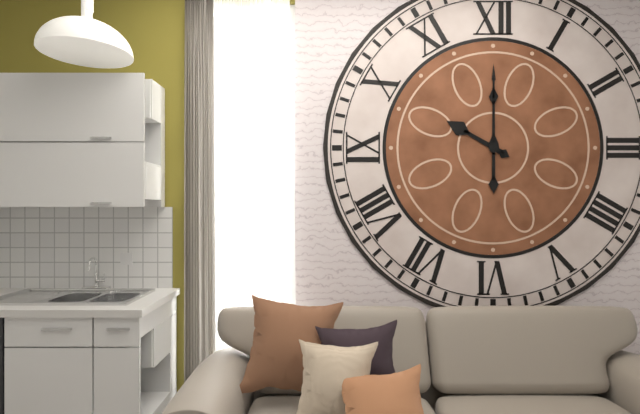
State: h=10 m=0
